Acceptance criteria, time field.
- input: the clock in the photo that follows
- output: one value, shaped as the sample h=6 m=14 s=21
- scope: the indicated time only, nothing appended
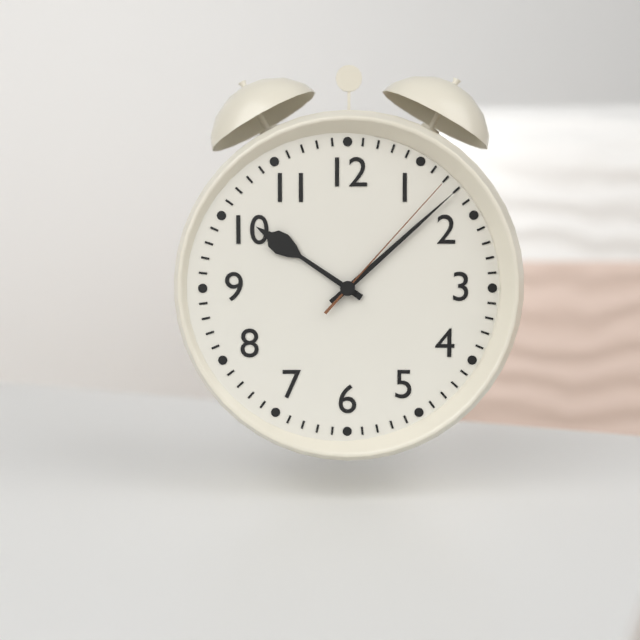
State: h=10 m=8 s=7
